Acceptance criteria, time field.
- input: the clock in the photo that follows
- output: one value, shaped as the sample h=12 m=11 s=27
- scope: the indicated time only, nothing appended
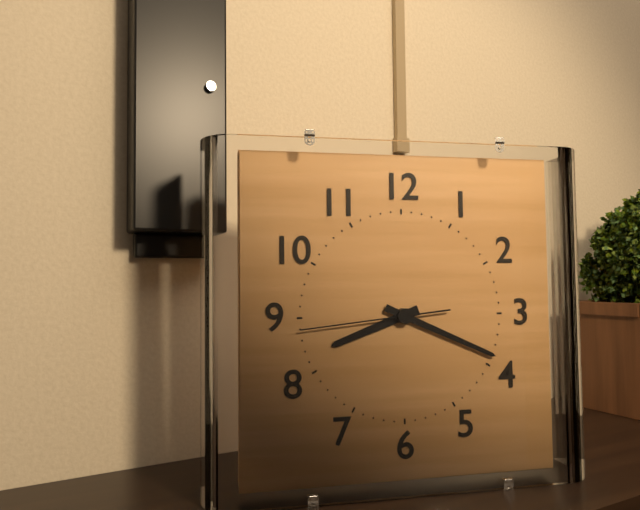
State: h=8 m=19 s=44
